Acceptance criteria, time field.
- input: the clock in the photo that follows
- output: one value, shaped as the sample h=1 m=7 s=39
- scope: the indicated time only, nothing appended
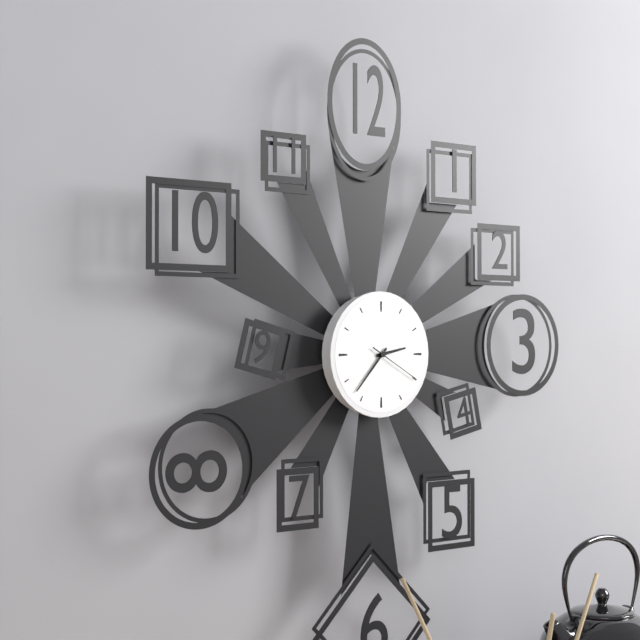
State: h=2 m=37 s=20
